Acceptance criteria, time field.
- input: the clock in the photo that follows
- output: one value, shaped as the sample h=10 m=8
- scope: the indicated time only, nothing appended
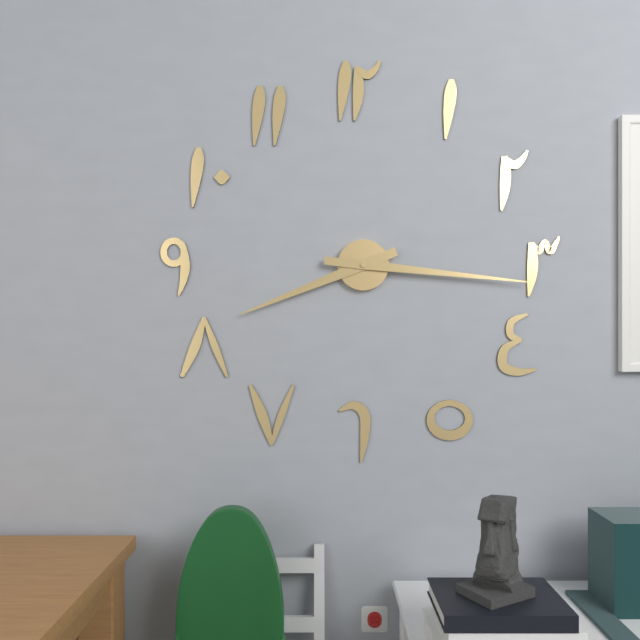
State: h=8 m=16
